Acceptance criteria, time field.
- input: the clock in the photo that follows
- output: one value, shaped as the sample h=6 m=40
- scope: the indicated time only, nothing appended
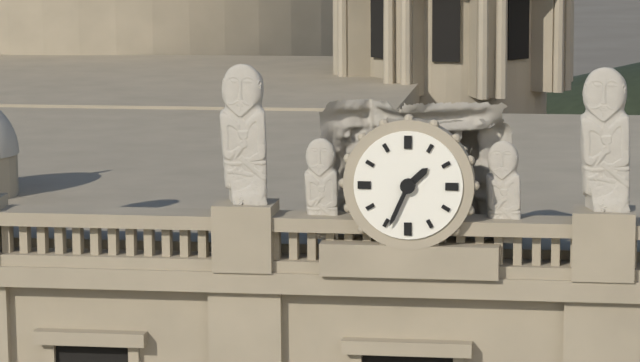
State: h=1 m=34
